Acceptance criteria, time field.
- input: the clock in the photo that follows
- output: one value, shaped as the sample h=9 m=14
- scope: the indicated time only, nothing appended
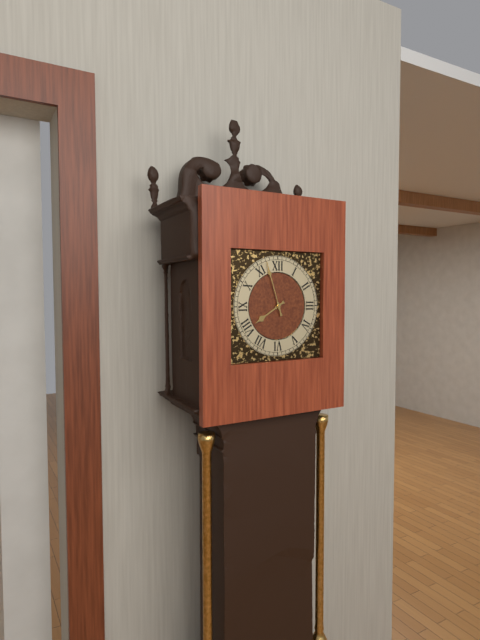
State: h=7 m=57
